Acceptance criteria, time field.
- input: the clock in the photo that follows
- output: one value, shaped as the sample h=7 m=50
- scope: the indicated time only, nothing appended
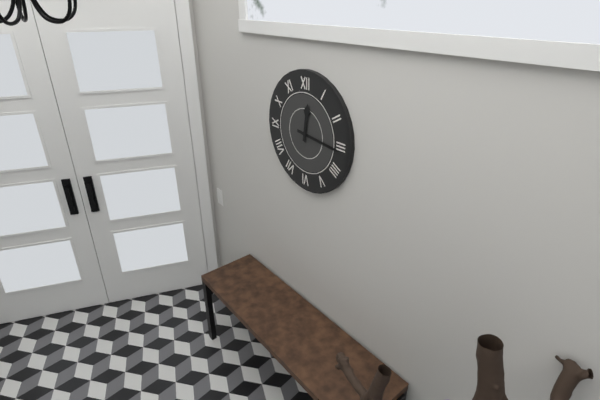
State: h=12 m=16
